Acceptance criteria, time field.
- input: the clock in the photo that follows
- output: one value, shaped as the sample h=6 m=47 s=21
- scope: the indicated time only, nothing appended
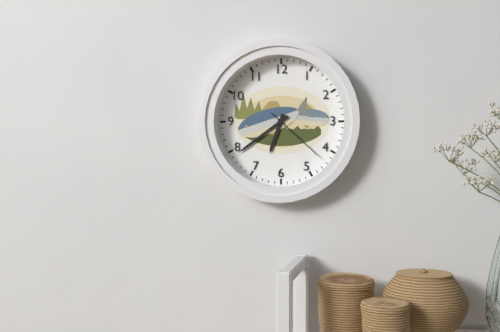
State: h=6 m=39 s=22
